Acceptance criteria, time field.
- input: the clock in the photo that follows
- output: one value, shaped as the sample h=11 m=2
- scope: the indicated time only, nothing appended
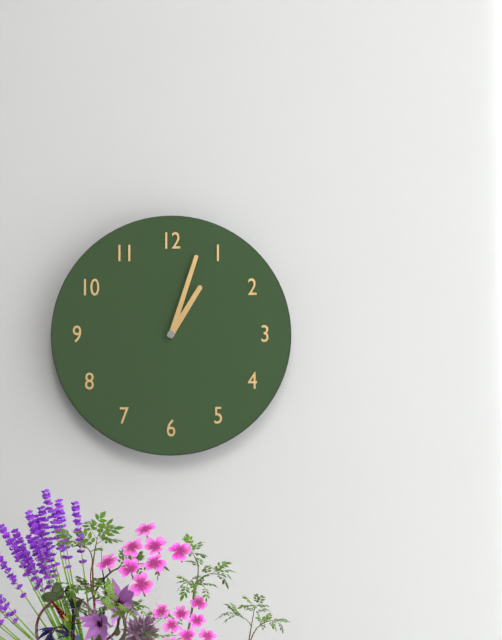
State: h=1 m=3
